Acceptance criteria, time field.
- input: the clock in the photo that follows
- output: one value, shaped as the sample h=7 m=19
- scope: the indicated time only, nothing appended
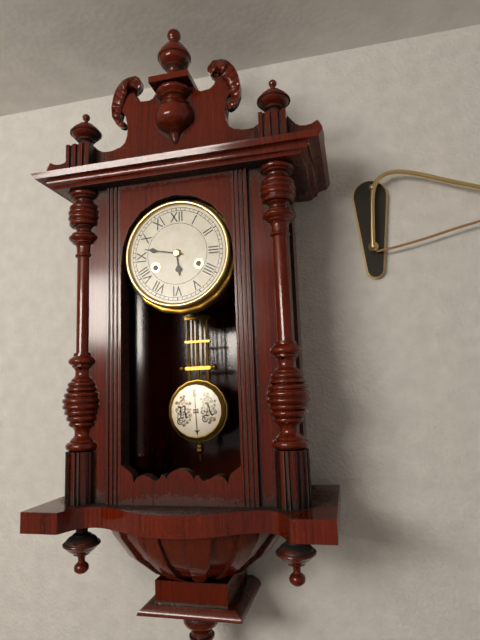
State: h=5 m=47
